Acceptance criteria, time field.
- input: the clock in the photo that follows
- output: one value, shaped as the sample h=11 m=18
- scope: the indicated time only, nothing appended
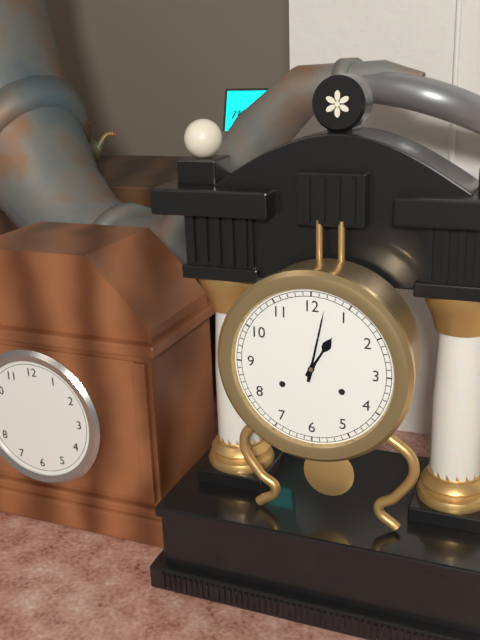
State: h=1 m=2
